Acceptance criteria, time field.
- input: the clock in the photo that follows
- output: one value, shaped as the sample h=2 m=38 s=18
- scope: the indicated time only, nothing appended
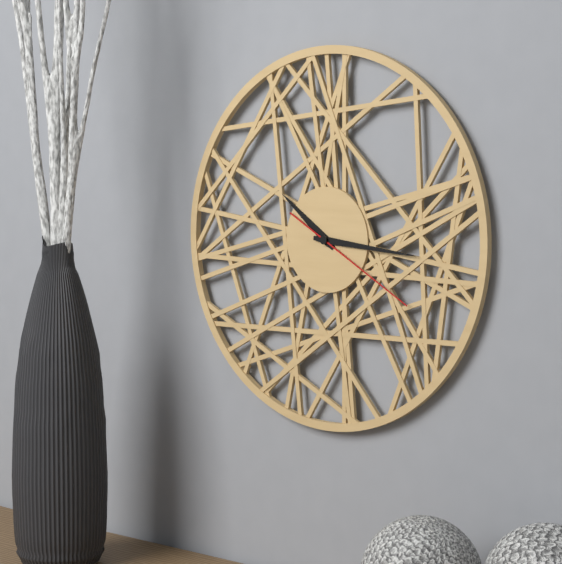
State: h=10 m=16 s=20
